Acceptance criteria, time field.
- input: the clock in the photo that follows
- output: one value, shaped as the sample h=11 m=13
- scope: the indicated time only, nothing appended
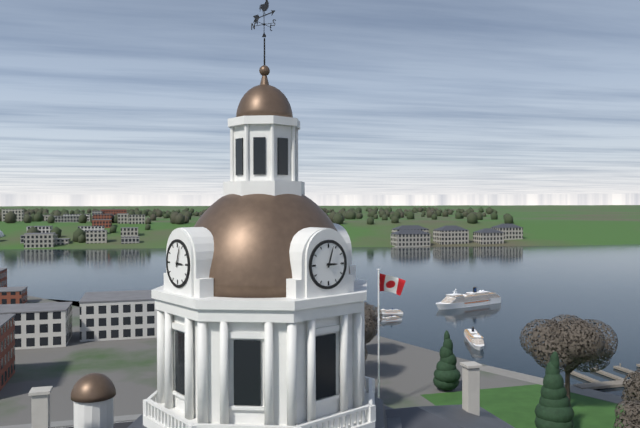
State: h=3 m=3
